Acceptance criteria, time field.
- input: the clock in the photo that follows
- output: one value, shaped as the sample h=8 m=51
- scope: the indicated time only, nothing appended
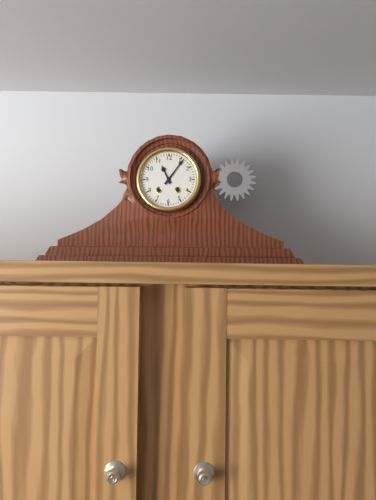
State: h=11 m=6
